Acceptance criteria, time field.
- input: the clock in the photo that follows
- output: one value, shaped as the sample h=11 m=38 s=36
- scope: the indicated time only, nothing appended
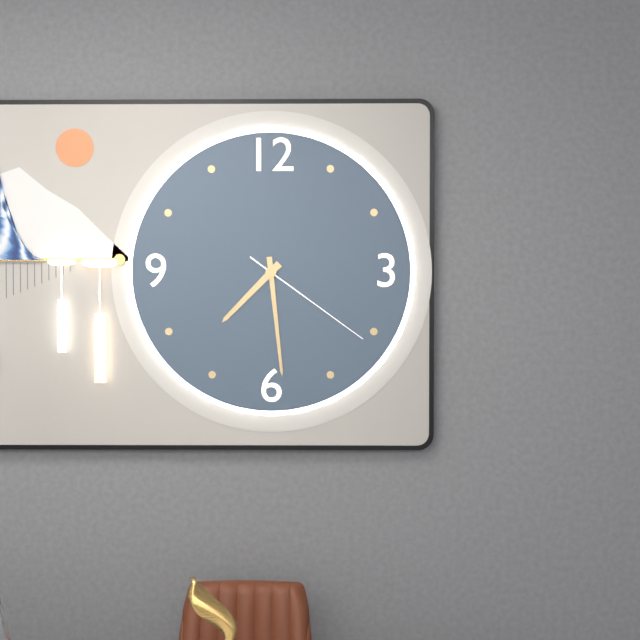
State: h=7 m=29 s=21
